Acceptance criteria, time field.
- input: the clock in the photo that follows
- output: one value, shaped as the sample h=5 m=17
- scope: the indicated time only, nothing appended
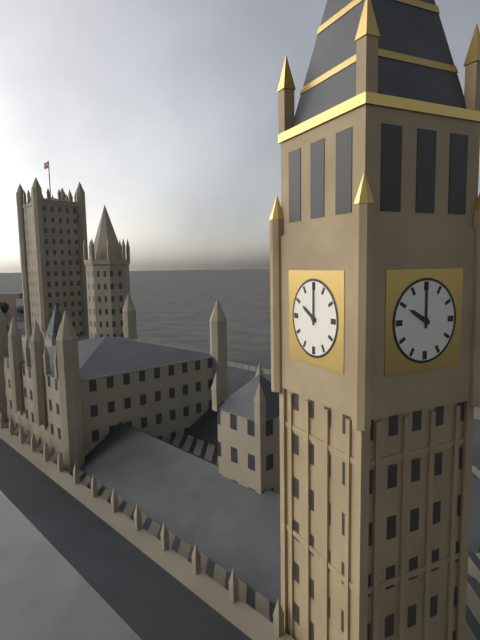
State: h=10 m=0
